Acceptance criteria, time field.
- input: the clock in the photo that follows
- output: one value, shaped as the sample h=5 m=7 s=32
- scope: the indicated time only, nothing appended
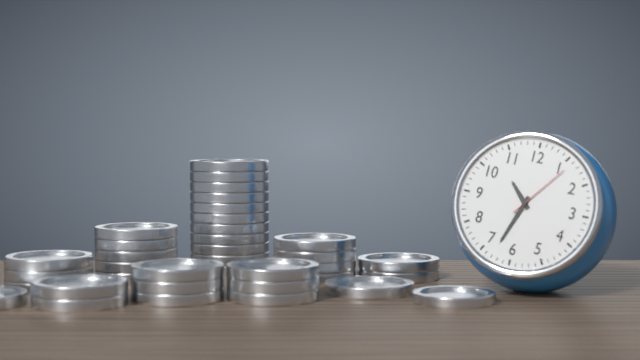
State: h=10 m=33 s=6
